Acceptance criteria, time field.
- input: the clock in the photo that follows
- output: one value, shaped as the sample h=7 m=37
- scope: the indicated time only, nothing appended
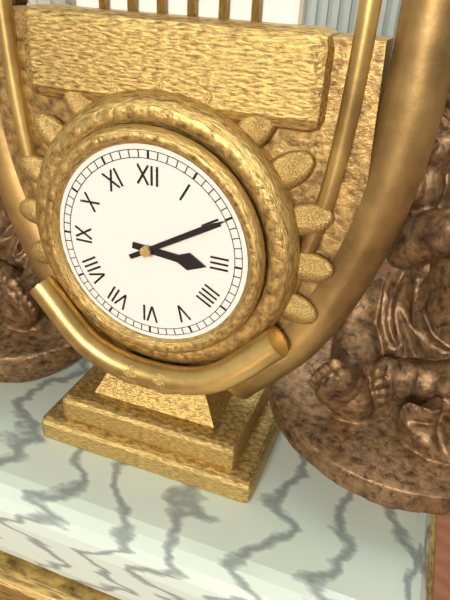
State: h=3 m=10
